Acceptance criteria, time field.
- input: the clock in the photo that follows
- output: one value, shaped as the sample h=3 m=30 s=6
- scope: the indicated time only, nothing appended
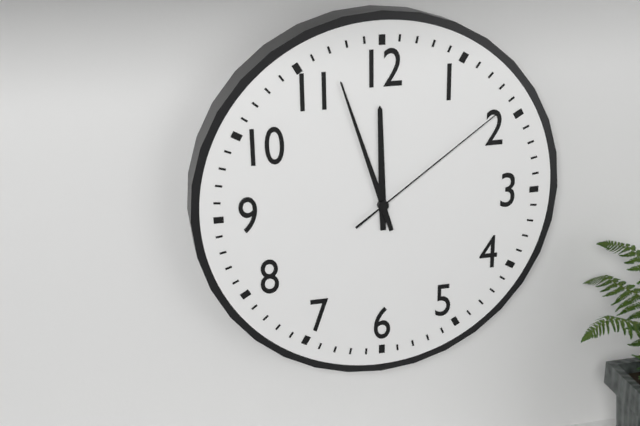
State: h=11 m=57 s=9
